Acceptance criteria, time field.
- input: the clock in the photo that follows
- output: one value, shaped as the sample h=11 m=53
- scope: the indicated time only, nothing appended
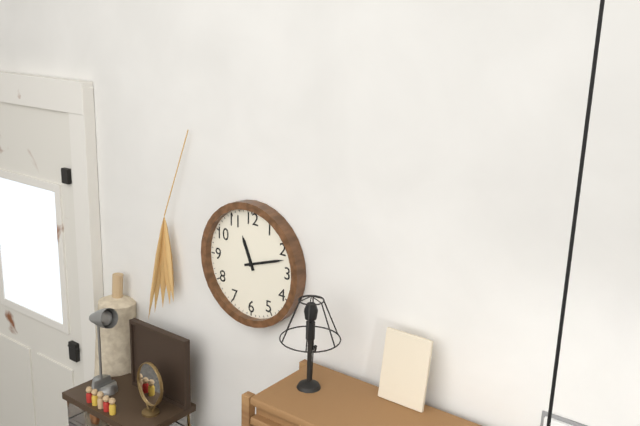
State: h=11 m=12
